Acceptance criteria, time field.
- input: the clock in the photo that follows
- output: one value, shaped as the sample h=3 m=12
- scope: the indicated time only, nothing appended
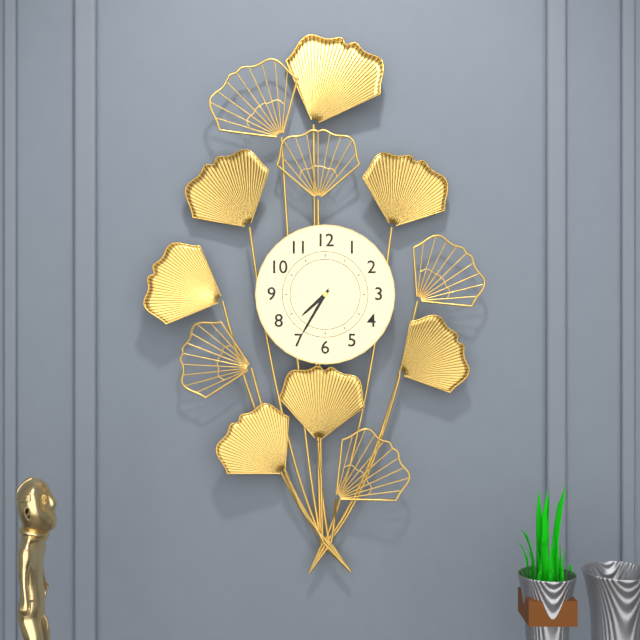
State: h=7 m=35
